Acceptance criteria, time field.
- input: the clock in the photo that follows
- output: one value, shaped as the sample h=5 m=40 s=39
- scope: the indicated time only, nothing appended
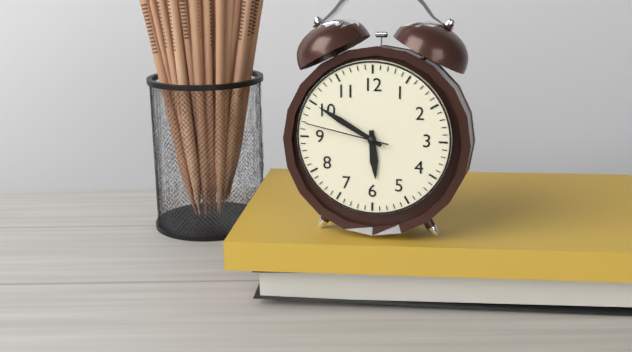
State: h=5 m=50 s=47
